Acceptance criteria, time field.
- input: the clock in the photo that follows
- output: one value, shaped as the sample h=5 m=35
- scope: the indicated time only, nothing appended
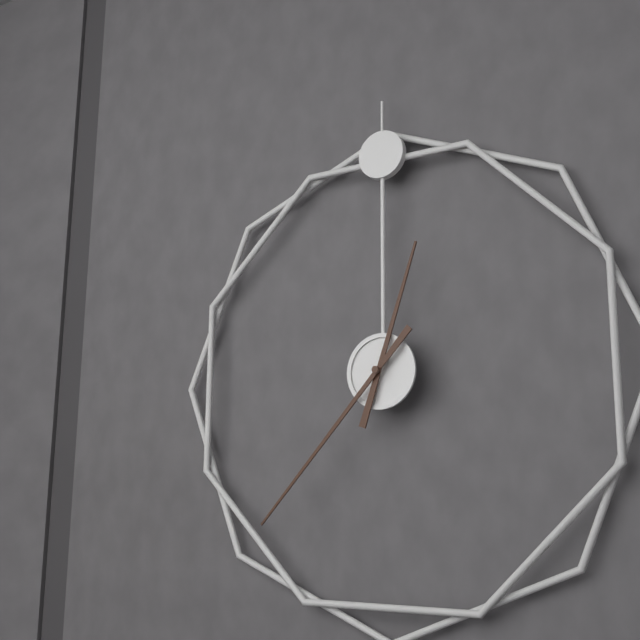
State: h=12 m=37
